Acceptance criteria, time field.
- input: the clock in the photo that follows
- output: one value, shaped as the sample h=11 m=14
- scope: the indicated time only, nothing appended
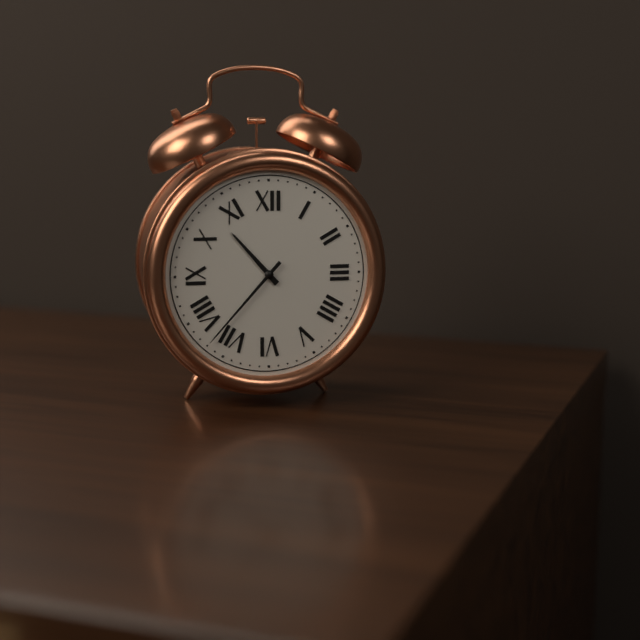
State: h=10 m=37
